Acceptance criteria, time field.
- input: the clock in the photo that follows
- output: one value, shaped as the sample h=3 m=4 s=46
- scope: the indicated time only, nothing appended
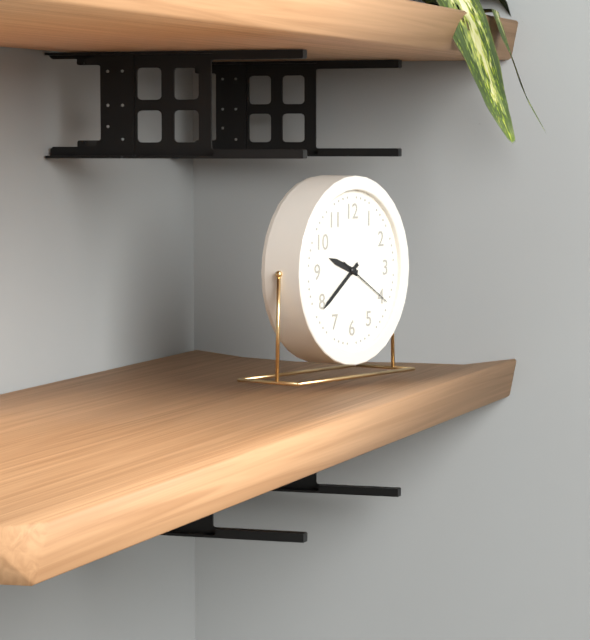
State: h=9 m=39 s=20
